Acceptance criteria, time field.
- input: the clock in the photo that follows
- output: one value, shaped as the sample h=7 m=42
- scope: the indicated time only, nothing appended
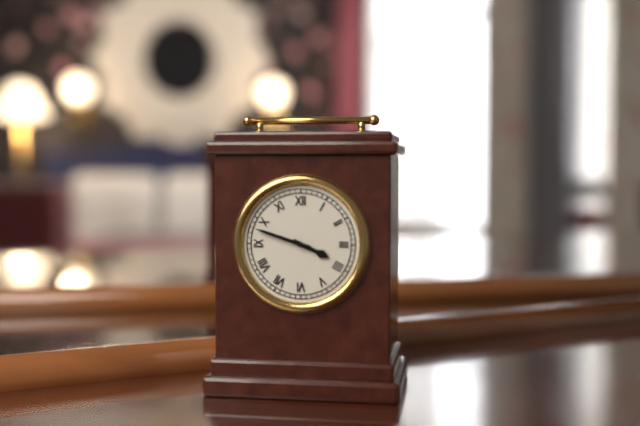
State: h=3 m=48
